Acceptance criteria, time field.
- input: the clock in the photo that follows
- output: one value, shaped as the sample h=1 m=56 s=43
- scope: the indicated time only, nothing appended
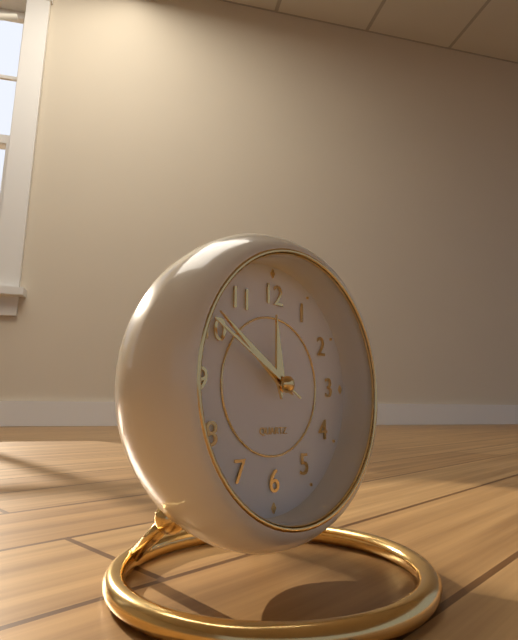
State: h=11 m=51 s=50
